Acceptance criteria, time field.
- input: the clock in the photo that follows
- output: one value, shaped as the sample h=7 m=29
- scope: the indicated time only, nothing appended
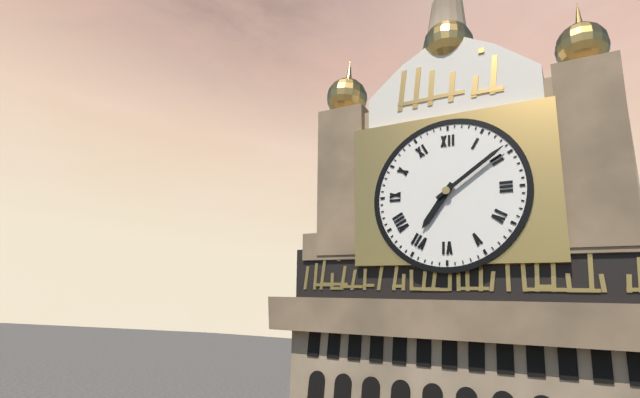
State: h=7 m=9
